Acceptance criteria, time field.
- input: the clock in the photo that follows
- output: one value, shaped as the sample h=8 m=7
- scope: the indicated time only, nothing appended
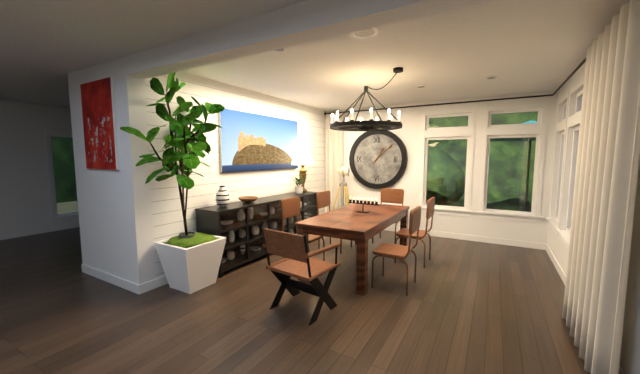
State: h=1 m=8
